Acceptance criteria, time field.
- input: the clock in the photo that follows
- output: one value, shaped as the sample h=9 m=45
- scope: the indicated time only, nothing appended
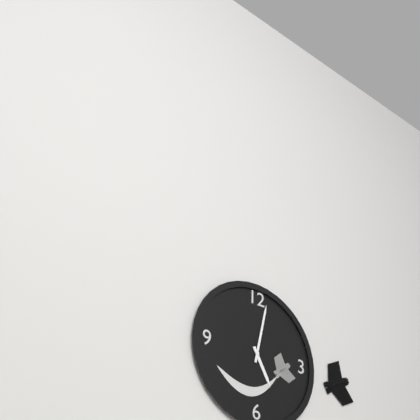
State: h=5 m=2
